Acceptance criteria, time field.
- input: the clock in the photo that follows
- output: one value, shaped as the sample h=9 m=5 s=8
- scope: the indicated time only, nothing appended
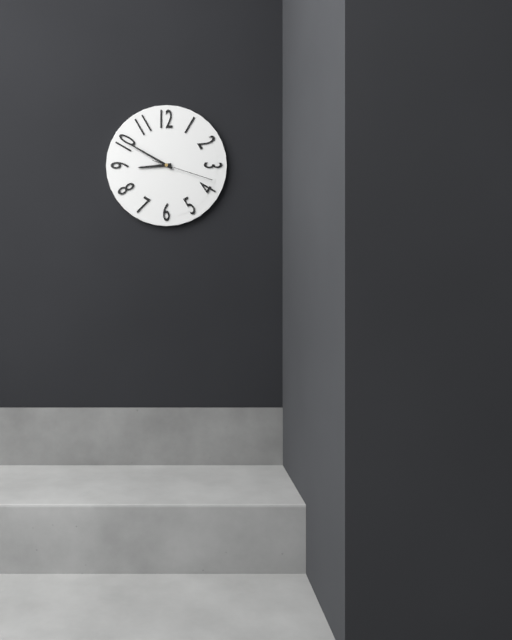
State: h=8 m=50 s=18
